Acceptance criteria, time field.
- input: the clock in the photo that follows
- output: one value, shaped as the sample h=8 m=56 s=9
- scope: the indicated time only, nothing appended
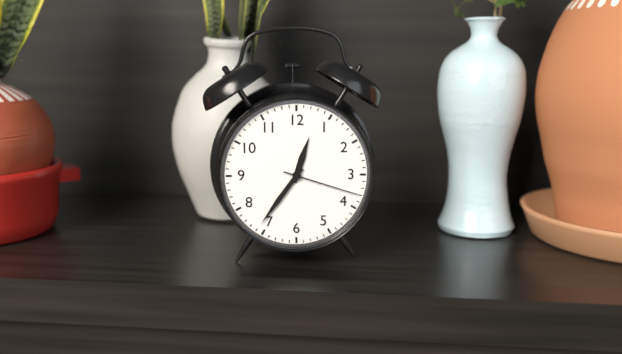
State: h=12 m=36 s=18
